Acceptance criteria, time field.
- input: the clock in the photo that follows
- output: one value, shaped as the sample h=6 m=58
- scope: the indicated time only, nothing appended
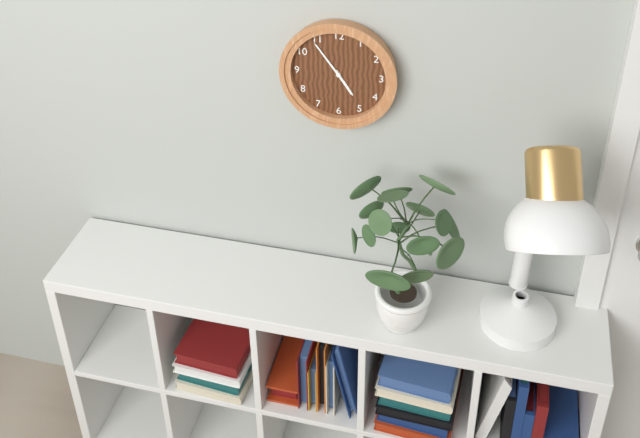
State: h=4 m=54
